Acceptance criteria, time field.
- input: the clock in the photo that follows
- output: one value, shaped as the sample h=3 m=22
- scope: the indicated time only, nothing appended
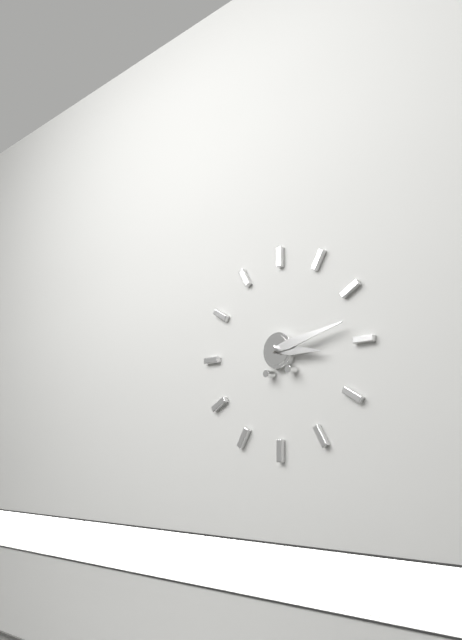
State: h=3 m=13
